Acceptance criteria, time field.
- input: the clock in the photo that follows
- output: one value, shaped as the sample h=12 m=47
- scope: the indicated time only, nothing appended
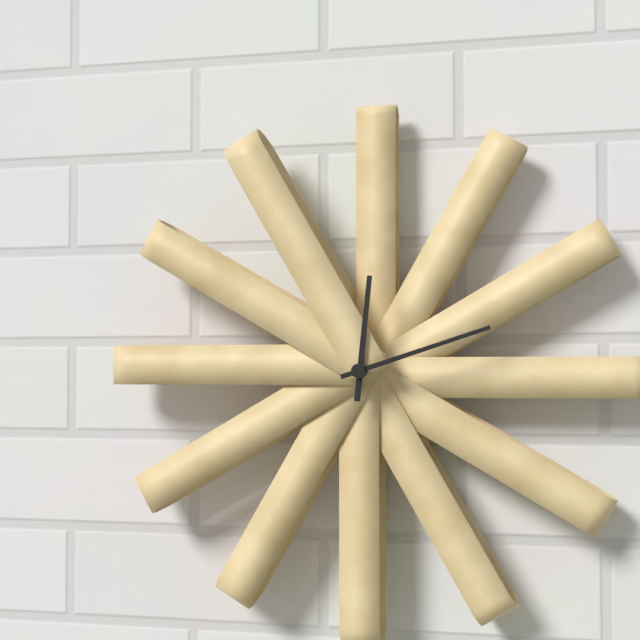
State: h=12 m=12
